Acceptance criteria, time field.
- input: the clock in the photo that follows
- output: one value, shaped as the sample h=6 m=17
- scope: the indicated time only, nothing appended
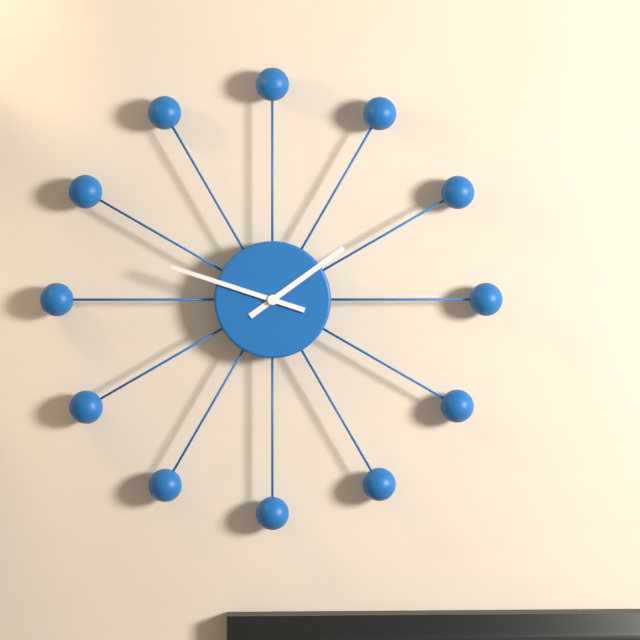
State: h=1 m=48
